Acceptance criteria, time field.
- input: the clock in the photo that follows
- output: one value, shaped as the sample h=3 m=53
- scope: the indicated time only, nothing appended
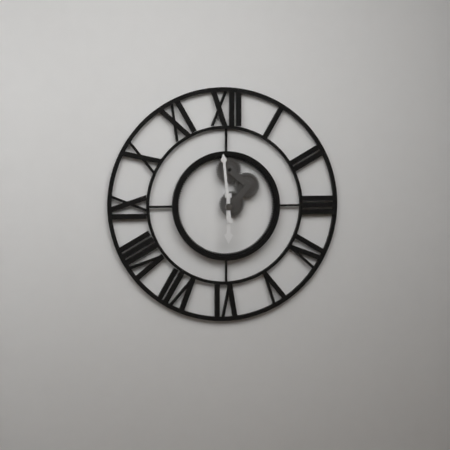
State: h=5 m=59
